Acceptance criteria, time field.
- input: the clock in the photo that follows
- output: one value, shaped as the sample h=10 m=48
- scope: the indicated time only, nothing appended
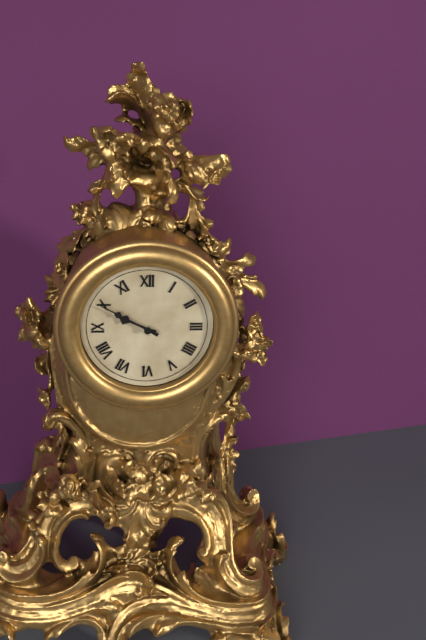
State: h=9 m=50
